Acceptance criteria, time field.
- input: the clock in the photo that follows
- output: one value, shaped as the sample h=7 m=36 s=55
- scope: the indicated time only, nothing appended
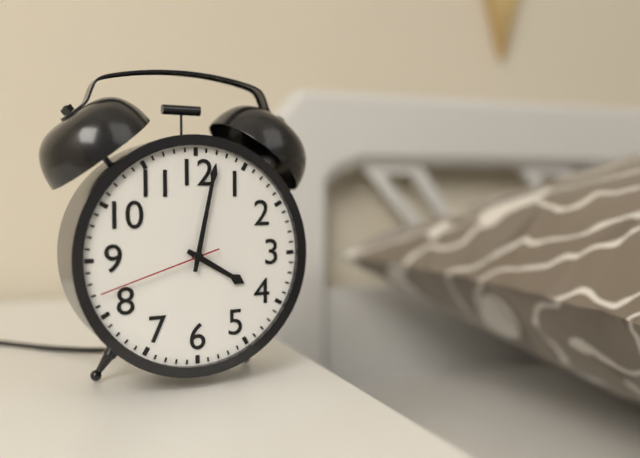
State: h=4 m=2 s=42
